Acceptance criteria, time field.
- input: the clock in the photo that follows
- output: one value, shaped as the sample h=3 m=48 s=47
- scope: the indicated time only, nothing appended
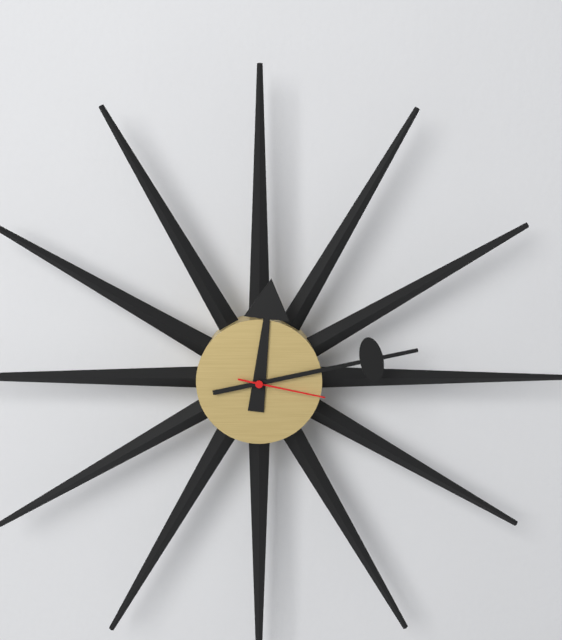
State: h=12 m=13 s=17
